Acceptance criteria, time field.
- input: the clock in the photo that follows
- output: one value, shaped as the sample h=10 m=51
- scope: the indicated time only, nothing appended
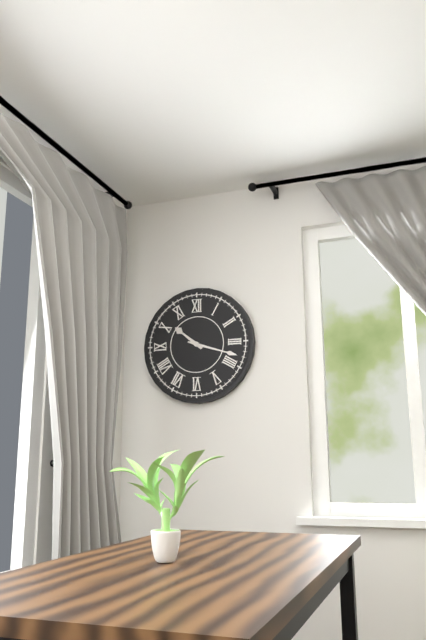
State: h=10 m=18
